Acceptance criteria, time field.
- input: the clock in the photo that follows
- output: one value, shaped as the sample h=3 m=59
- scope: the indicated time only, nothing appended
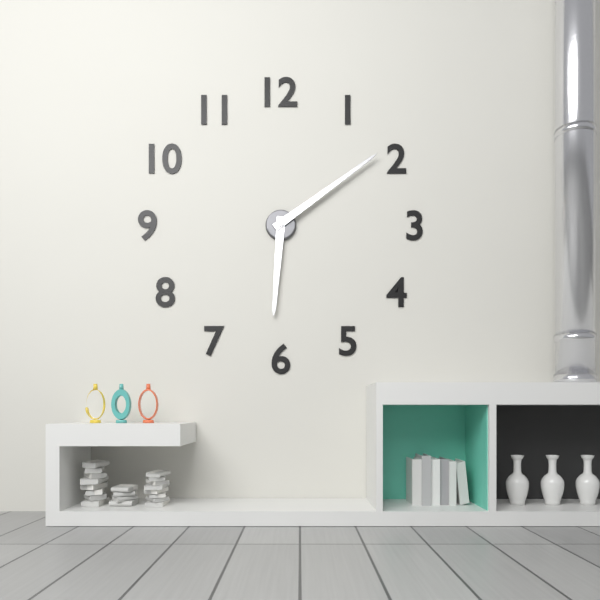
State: h=6 m=9
